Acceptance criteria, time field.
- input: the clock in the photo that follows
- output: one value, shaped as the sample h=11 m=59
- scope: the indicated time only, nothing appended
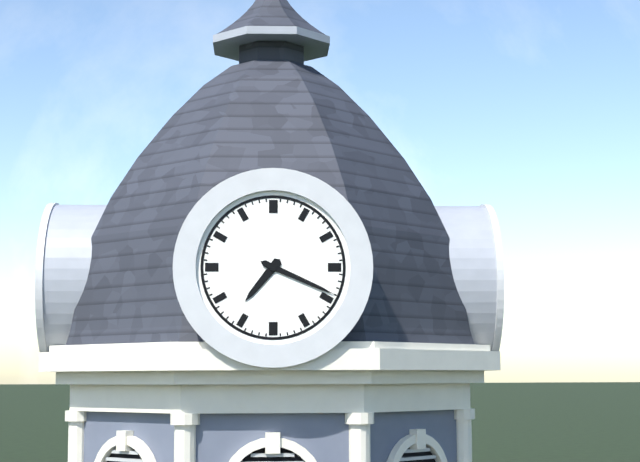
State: h=7 m=19
